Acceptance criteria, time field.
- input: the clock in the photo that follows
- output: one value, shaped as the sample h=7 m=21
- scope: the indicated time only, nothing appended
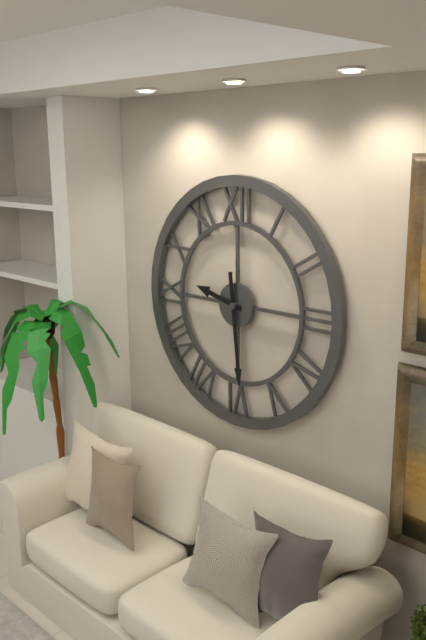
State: h=9 m=29
